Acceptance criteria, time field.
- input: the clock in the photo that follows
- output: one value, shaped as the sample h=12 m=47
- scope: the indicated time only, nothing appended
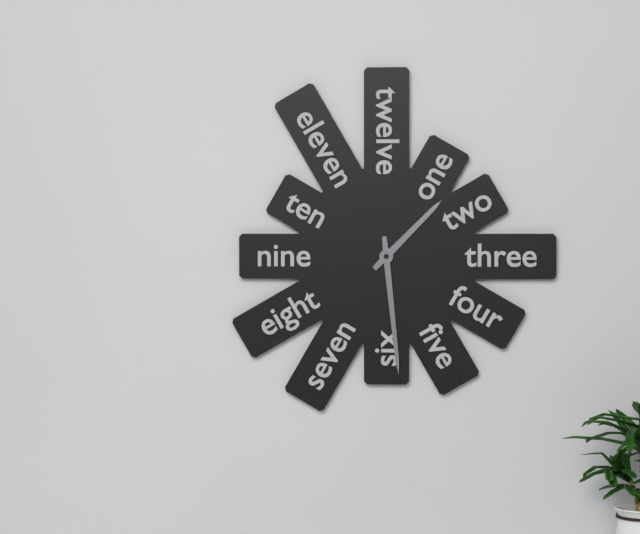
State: h=1 m=29
